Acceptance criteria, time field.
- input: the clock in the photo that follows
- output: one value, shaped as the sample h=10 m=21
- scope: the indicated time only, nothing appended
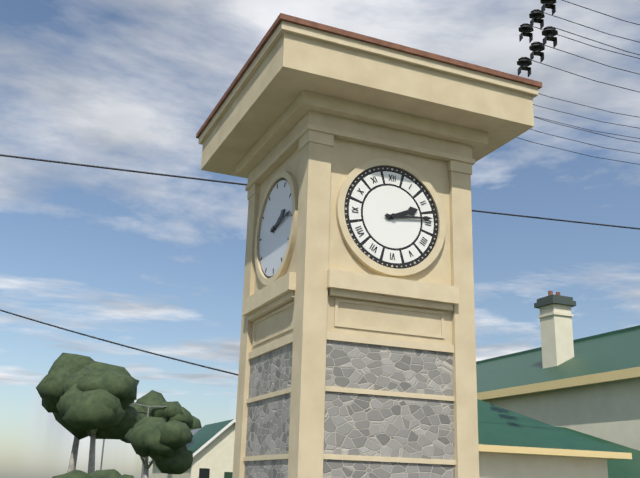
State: h=2 m=14
